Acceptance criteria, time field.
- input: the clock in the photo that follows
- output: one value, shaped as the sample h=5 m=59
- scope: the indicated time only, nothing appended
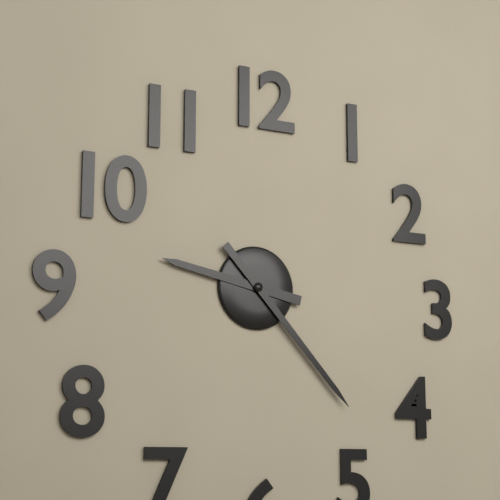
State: h=9 m=23
